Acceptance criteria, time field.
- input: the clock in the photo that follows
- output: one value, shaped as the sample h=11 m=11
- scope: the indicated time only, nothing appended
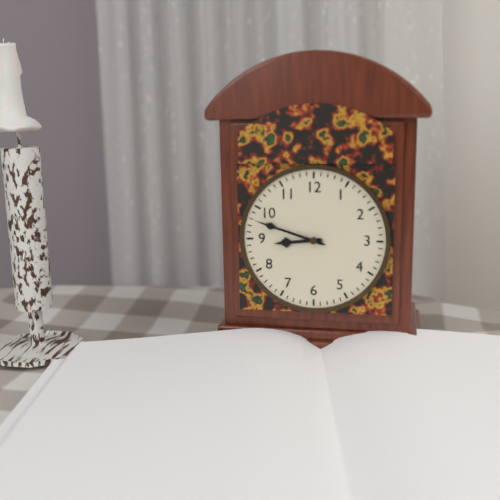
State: h=8 m=48
